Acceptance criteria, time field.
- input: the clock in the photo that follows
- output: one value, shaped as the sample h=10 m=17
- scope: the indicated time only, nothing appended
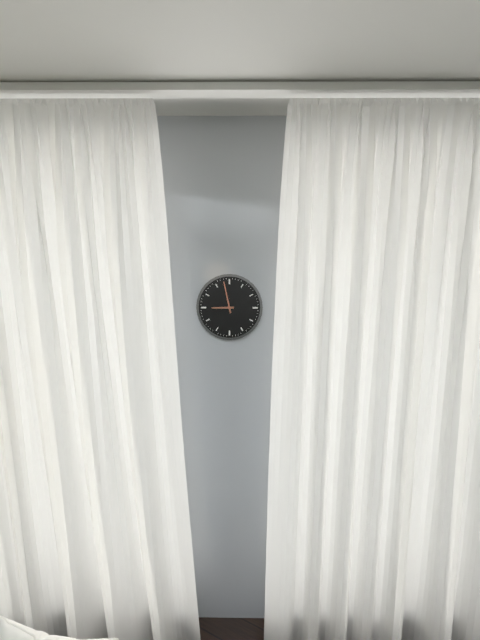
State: h=8 m=58
